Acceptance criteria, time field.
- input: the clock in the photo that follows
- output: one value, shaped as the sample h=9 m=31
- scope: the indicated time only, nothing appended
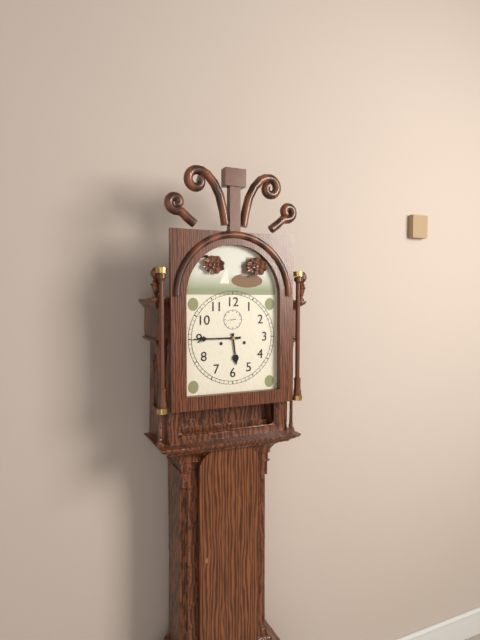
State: h=5 m=45
